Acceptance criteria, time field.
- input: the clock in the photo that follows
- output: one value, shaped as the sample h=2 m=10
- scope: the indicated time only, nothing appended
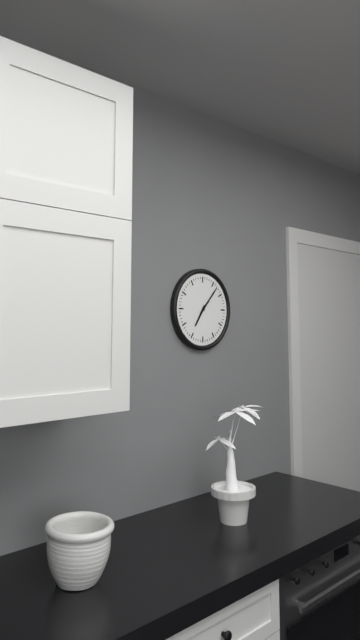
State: h=7 m=7
